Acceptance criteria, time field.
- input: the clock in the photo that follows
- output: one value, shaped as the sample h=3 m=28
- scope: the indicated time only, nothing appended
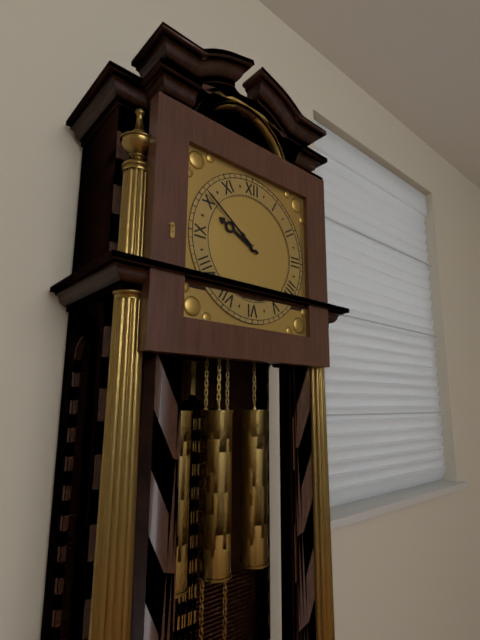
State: h=9 m=51
